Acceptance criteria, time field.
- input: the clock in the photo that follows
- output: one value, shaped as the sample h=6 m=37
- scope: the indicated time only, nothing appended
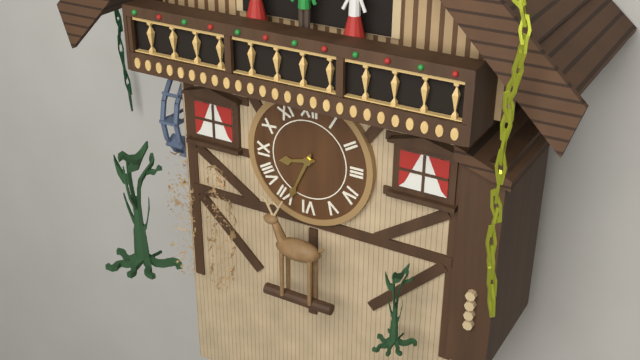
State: h=8 m=34
